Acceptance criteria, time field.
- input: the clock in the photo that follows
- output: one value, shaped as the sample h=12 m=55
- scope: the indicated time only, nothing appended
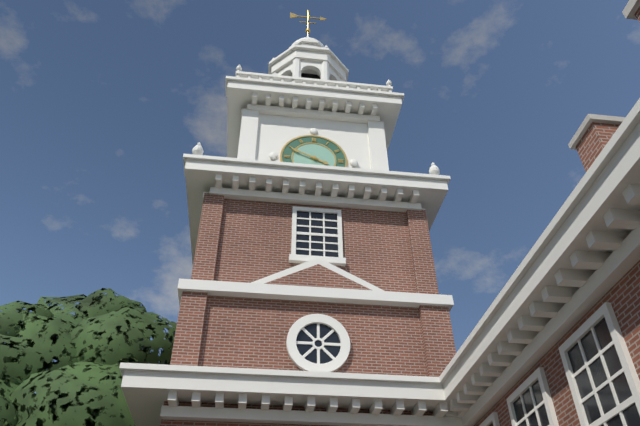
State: h=3 m=49
